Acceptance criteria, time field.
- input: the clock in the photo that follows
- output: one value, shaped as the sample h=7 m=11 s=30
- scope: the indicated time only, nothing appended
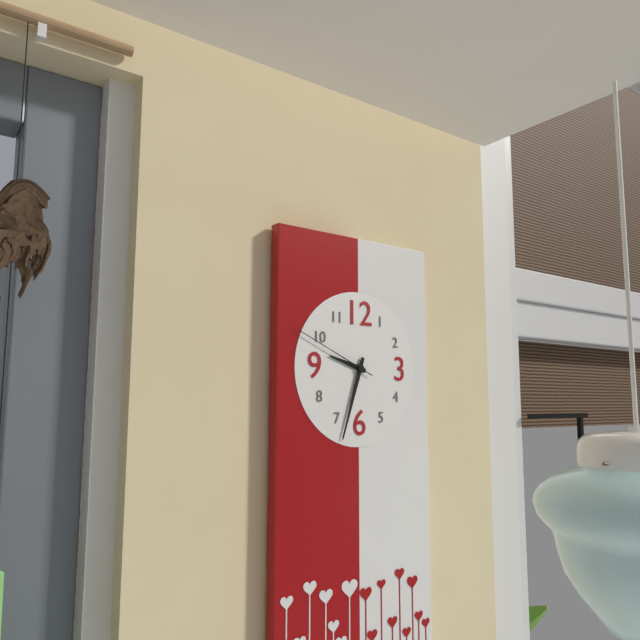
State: h=9 m=33 s=49
